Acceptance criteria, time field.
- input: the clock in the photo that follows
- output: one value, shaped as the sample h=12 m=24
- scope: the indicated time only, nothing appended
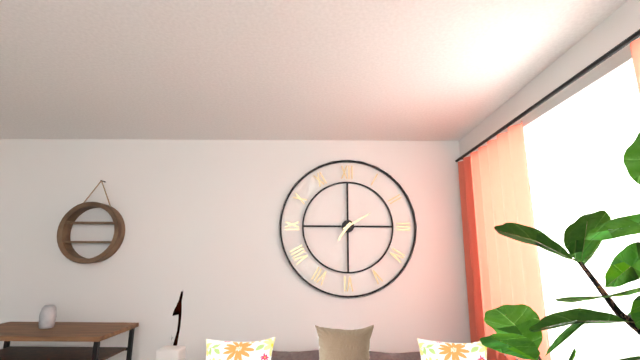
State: h=7 m=10
